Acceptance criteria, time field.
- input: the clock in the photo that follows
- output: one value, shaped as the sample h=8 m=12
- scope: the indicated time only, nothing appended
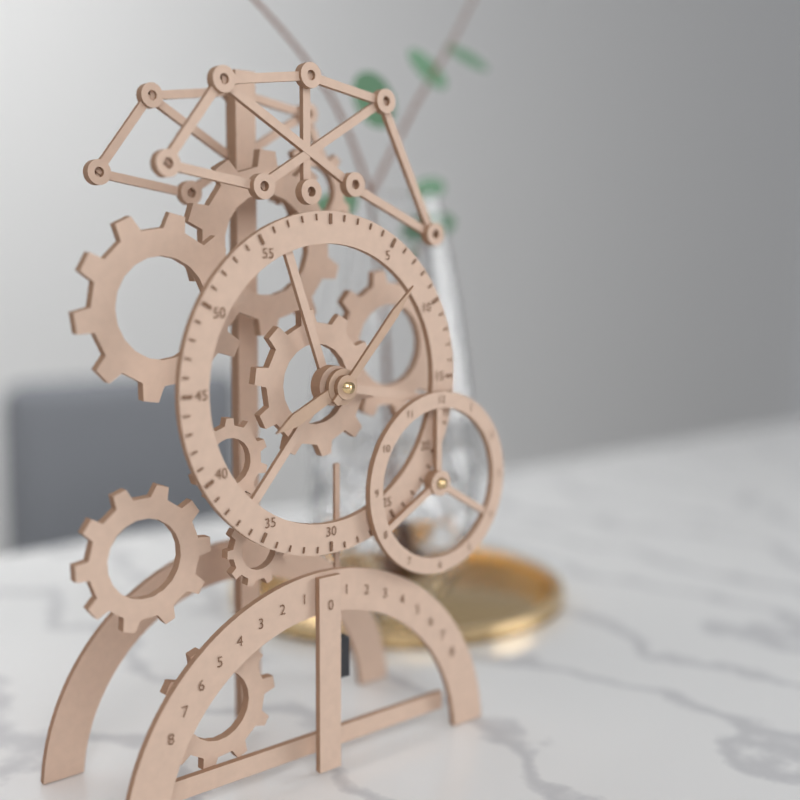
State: h=8 m=7
